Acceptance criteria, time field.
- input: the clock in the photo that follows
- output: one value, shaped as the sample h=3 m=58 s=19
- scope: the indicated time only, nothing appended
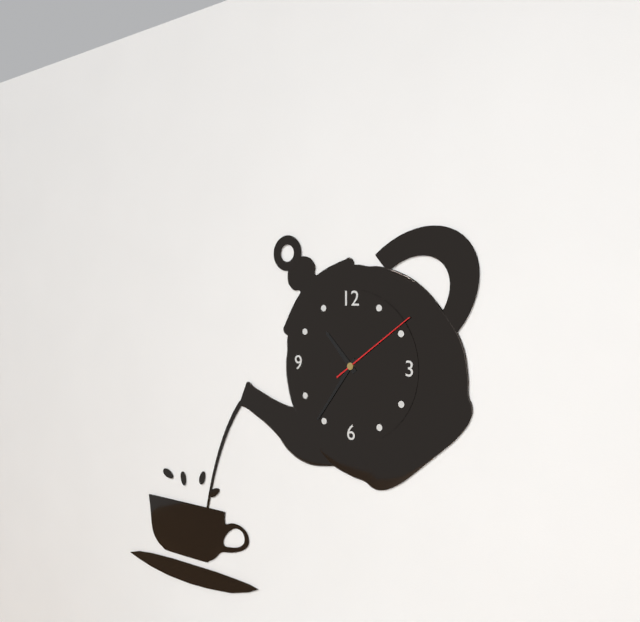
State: h=10 m=36 s=9
